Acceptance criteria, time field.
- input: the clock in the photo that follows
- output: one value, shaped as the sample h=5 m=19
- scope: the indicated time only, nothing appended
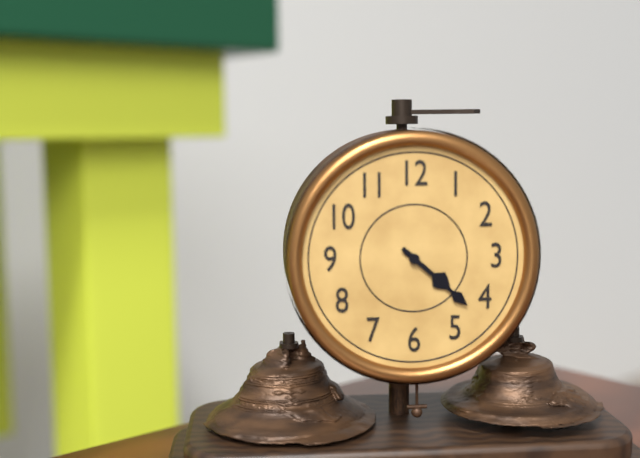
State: h=4 m=22
